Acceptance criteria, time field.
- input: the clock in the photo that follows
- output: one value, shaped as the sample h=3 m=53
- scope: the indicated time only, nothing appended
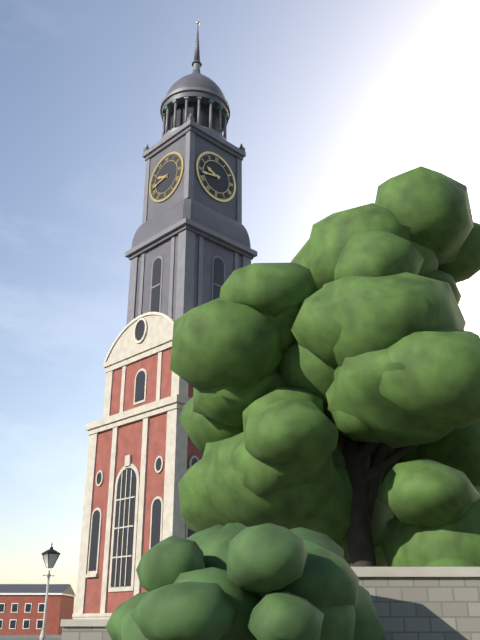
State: h=9 m=43
